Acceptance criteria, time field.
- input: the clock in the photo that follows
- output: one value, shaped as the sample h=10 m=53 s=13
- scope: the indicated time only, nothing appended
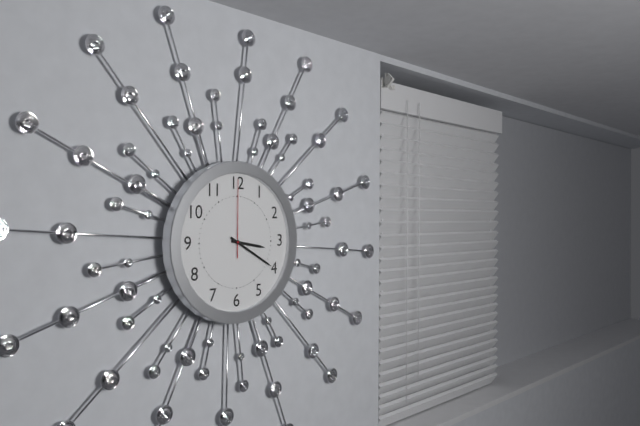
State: h=3 m=20 s=0
